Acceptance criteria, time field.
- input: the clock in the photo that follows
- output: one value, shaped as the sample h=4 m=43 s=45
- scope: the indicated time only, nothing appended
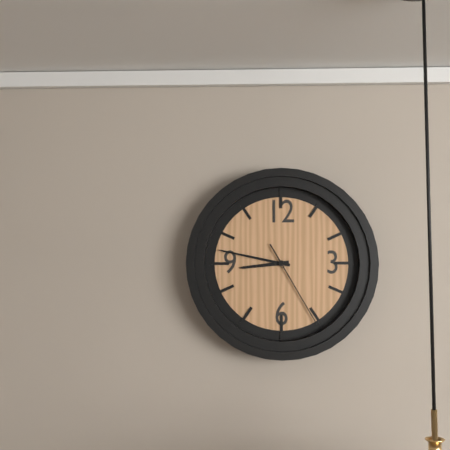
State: h=8 m=47 s=25
